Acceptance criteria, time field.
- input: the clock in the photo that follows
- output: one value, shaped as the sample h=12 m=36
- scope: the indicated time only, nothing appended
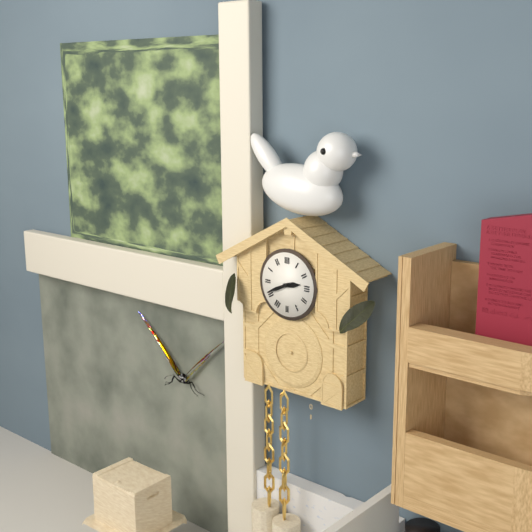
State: h=2 m=41
